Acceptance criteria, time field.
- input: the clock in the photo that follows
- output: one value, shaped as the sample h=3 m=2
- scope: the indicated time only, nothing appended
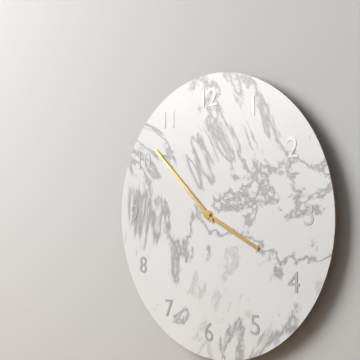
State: h=3 m=52
